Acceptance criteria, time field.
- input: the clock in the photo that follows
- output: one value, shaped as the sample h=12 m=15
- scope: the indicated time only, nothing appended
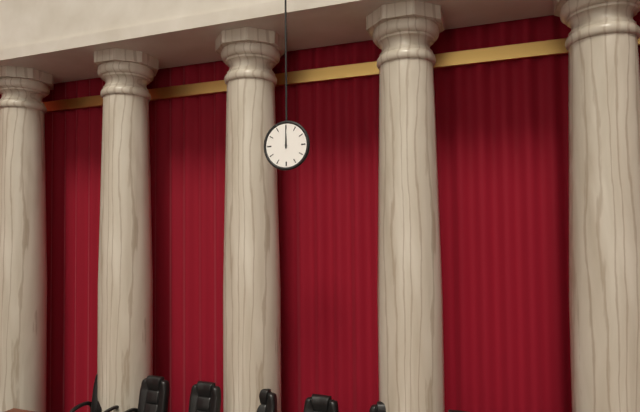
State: h=12 m=0
